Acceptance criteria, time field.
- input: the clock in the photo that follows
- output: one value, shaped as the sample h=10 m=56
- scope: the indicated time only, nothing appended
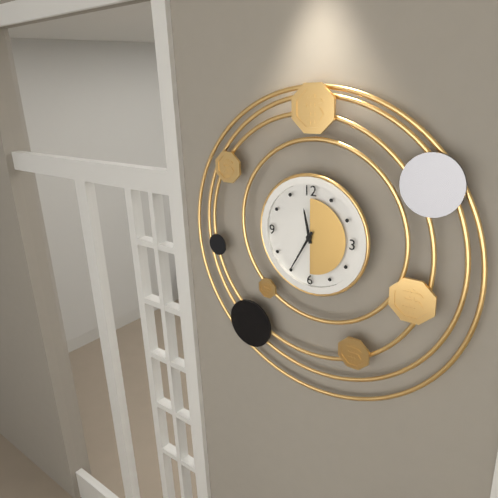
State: h=11 m=35
